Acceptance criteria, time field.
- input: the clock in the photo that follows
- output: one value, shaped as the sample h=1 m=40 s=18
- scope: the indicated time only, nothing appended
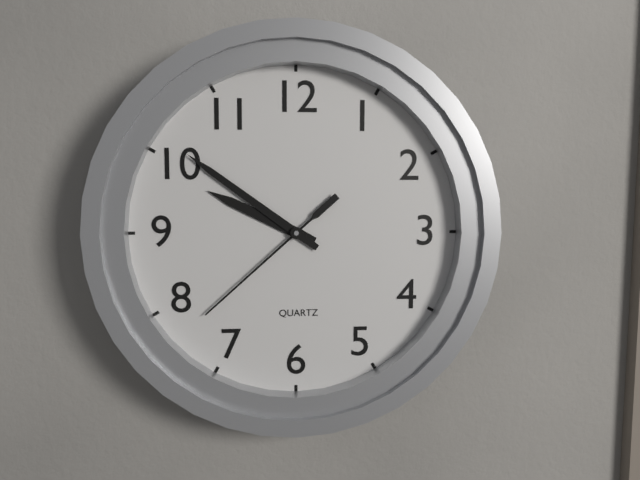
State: h=9 m=51 s=38
